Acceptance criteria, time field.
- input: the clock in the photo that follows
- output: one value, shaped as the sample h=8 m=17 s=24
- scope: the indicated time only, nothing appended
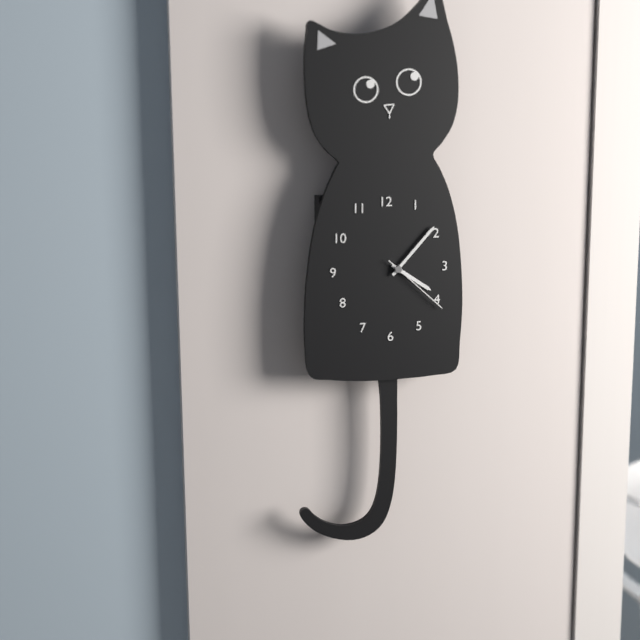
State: h=4 m=7 s=22
